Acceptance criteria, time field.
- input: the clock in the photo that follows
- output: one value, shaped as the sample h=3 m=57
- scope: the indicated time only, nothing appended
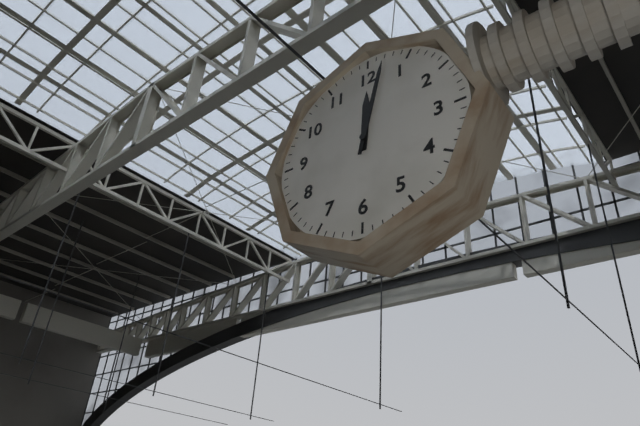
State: h=12 m=2
